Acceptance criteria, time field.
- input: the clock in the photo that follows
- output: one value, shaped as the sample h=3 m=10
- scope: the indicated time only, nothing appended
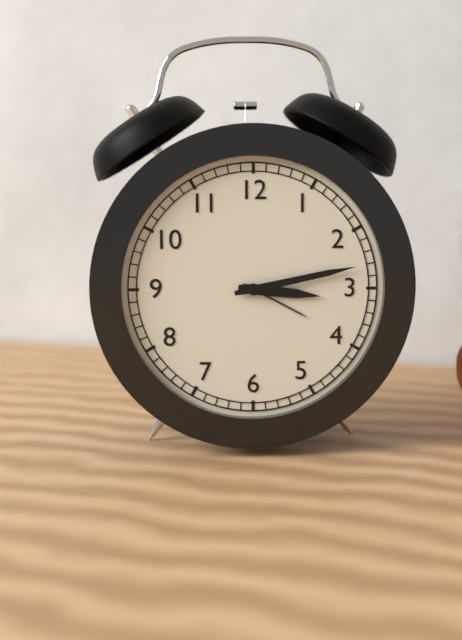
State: h=3 m=13
